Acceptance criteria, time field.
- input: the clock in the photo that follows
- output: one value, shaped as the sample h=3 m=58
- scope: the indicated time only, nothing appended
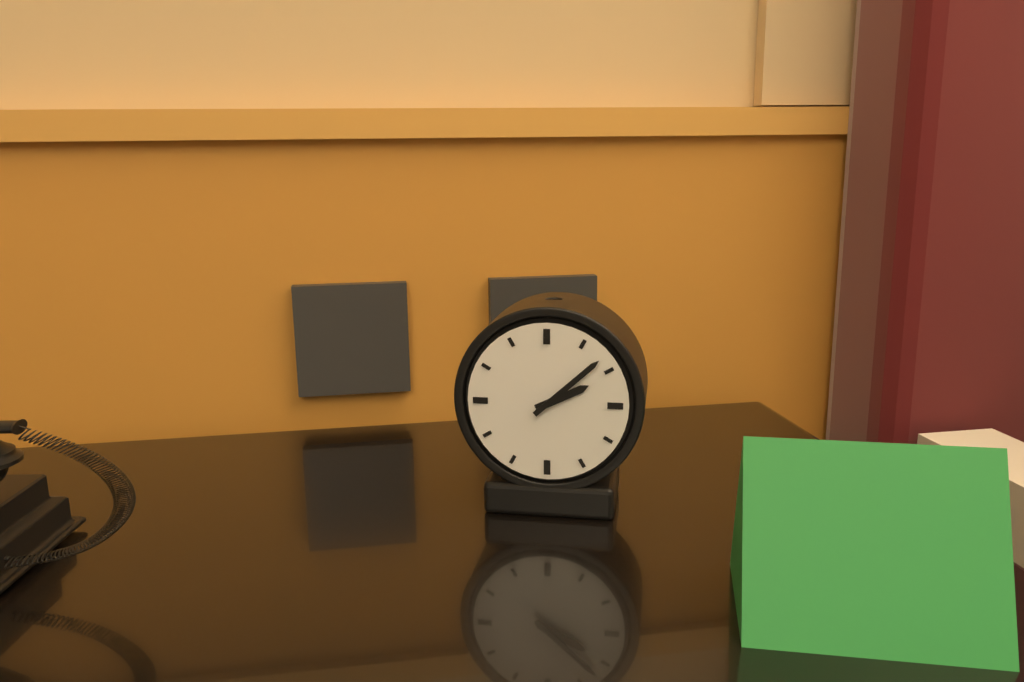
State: h=2 m=8
